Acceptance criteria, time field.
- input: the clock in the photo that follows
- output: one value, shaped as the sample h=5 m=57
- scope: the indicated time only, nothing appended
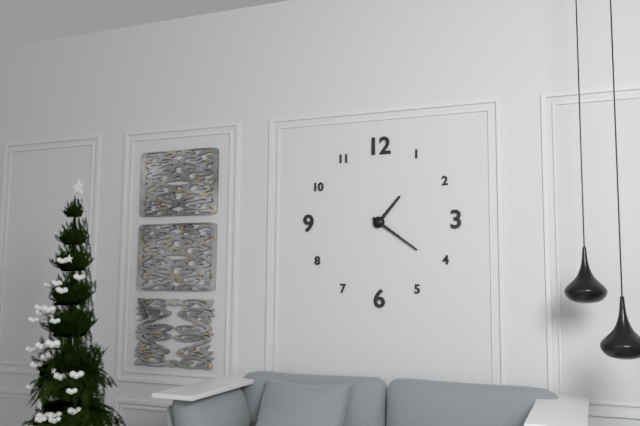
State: h=1 m=21
